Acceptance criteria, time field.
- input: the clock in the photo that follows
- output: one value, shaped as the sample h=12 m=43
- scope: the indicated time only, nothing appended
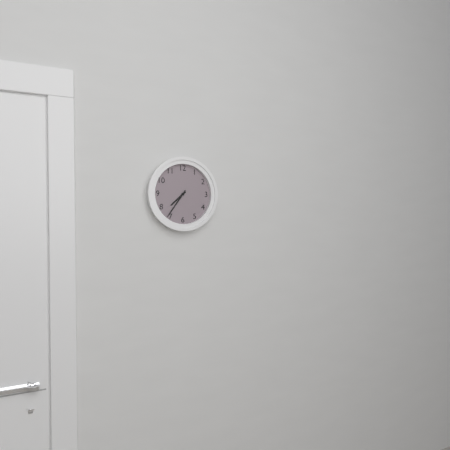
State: h=7 m=36
